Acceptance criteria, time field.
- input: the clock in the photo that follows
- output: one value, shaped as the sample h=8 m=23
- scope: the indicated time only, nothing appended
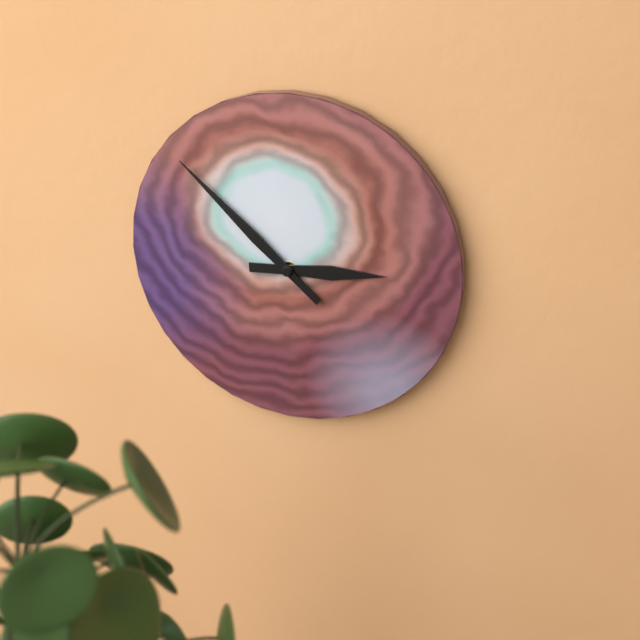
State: h=2 m=52
